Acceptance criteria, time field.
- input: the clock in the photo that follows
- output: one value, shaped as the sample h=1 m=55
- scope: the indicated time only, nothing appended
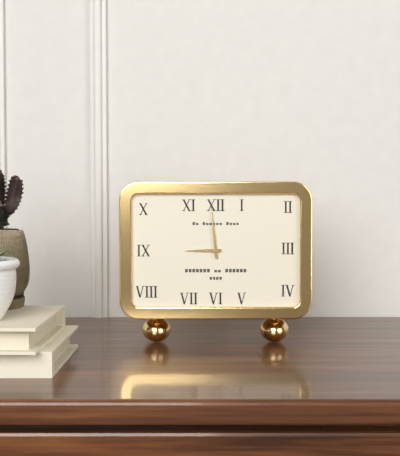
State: h=8 m=59
